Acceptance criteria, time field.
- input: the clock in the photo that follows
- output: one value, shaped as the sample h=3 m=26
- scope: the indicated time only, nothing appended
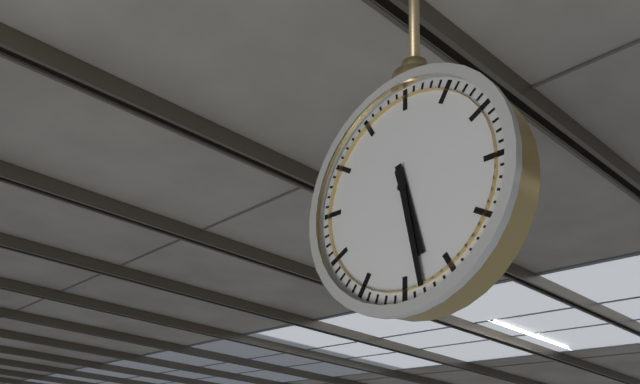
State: h=5 m=28
